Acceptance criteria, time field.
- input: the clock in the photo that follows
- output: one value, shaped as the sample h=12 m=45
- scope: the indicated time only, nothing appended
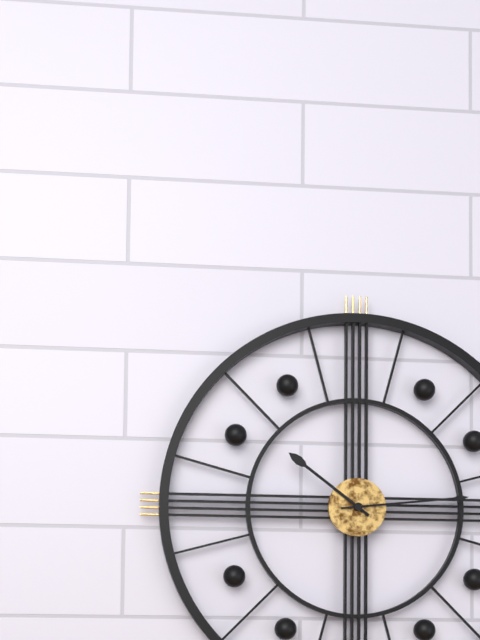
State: h=10 m=14
